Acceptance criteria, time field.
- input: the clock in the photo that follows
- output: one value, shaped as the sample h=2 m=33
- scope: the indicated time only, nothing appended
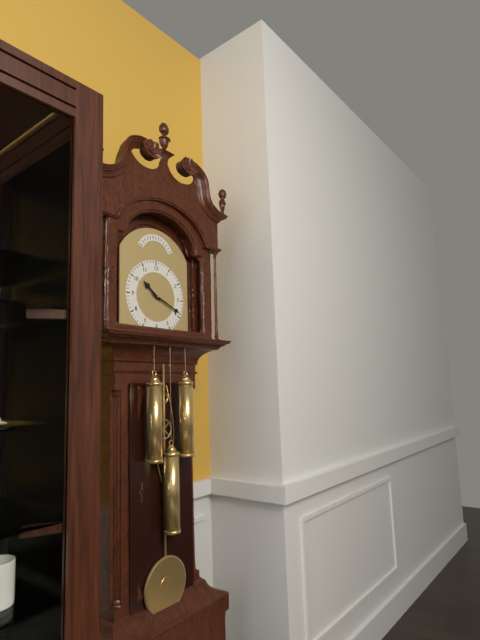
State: h=10 m=19
